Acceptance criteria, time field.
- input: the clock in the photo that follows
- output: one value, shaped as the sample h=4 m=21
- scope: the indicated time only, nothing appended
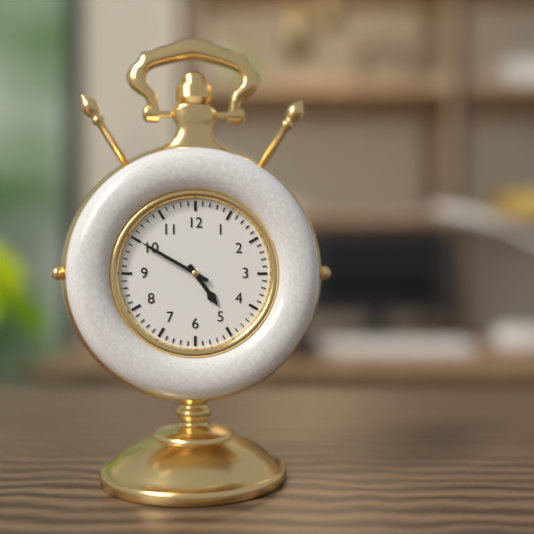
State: h=4 m=50
